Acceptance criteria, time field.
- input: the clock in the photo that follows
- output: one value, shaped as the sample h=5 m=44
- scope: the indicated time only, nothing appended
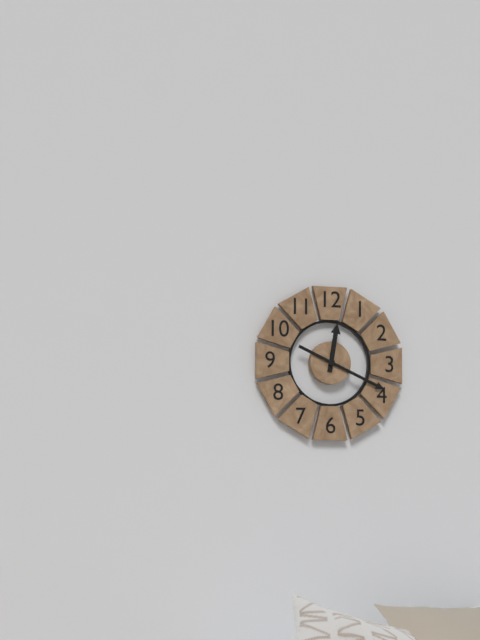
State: h=12 m=19
